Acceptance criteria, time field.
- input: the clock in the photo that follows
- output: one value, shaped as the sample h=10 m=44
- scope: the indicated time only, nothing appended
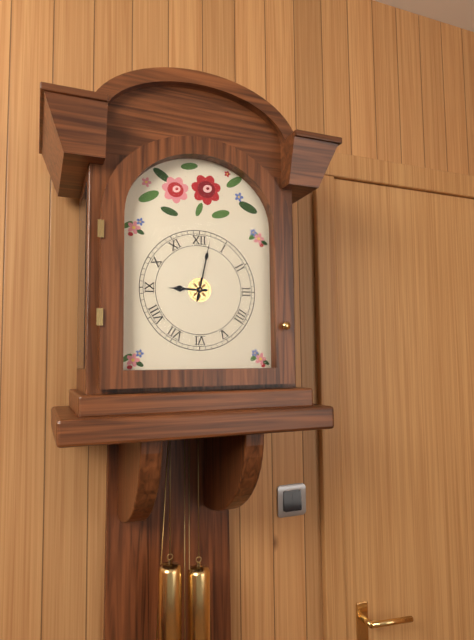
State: h=9 m=2
